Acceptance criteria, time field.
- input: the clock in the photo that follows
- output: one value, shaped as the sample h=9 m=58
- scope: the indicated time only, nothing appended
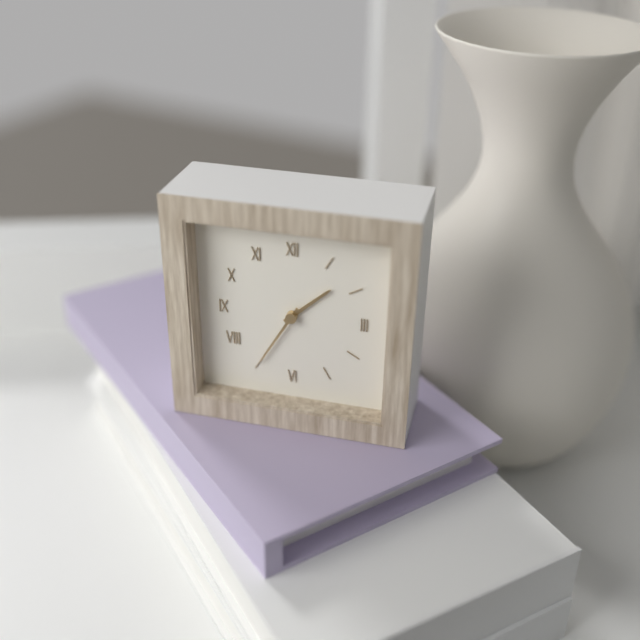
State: h=1 m=35
